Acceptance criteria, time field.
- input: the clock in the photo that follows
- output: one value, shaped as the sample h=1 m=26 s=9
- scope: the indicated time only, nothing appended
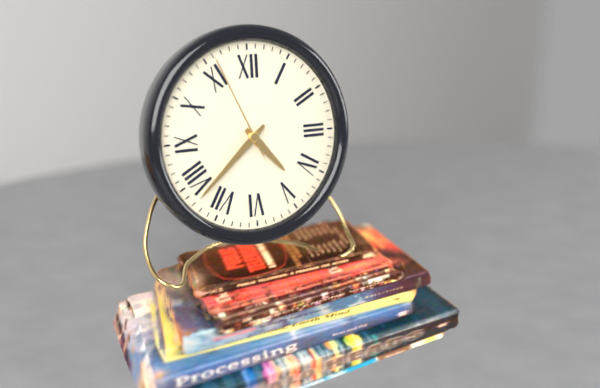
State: h=4 m=38 s=56
